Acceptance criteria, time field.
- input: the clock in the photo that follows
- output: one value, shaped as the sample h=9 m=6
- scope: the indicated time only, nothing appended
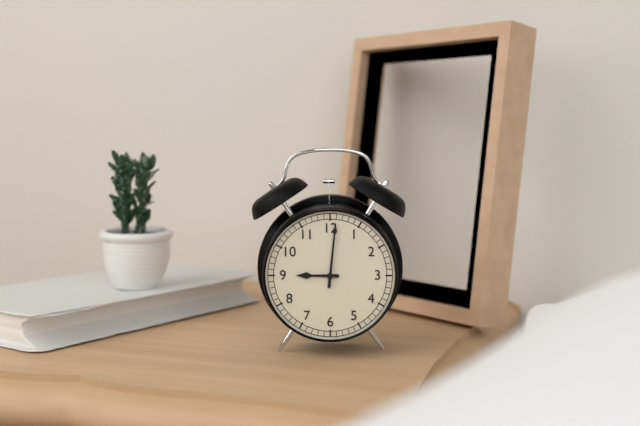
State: h=9 m=1
